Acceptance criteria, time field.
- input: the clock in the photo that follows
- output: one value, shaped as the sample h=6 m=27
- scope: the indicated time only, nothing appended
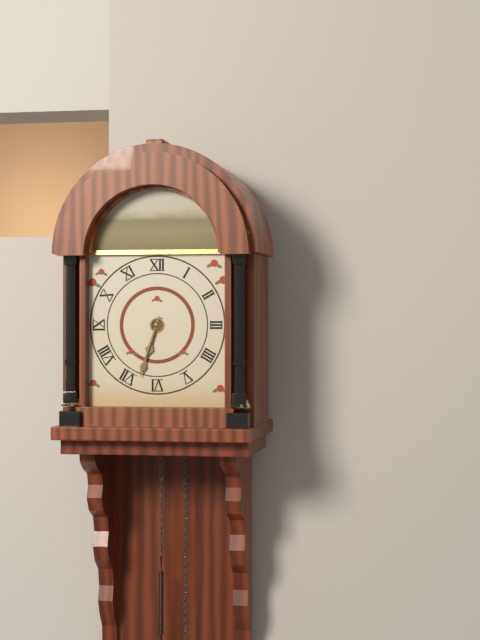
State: h=6 m=33
